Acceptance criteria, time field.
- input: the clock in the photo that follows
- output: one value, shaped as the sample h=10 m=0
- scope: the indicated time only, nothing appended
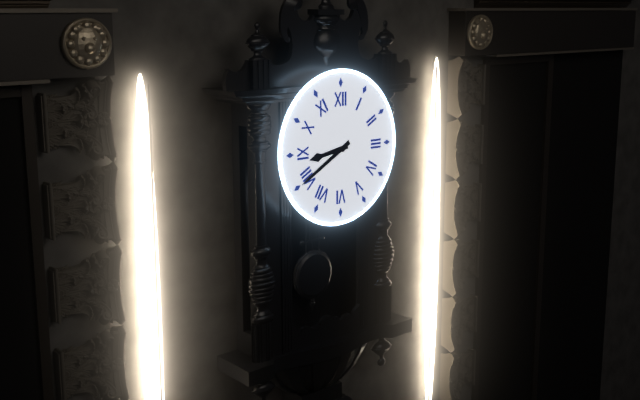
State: h=8 m=40
